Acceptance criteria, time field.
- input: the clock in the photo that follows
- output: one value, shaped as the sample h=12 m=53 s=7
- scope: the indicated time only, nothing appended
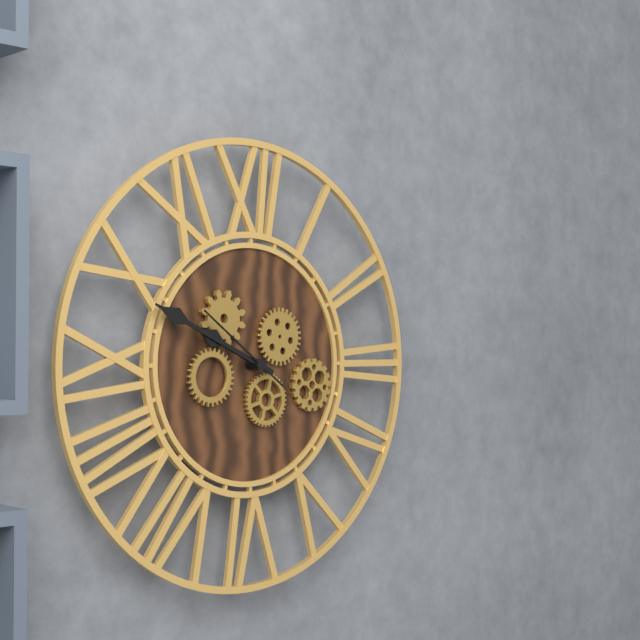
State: h=9 m=49 s=51
